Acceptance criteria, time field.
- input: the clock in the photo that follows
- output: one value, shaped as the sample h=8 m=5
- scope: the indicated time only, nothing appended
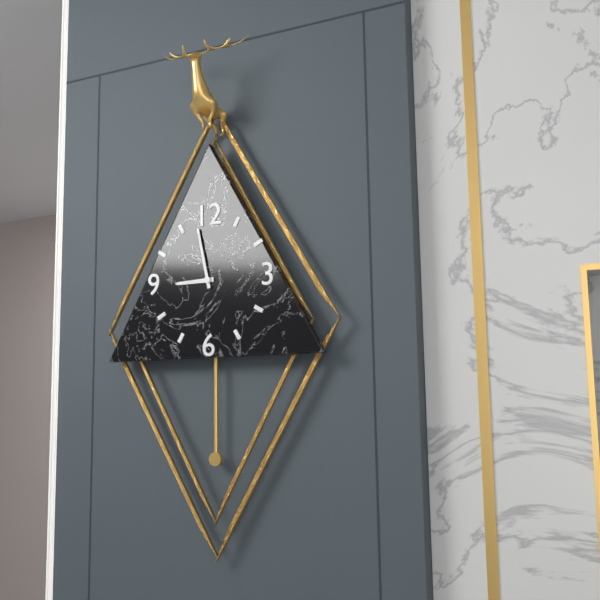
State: h=8 m=58
